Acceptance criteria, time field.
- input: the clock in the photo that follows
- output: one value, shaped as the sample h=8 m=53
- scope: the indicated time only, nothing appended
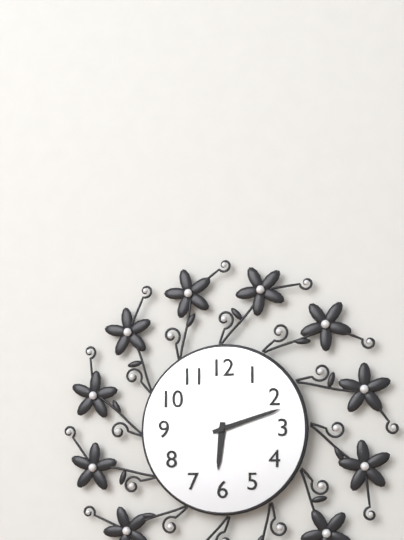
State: h=6 m=12
